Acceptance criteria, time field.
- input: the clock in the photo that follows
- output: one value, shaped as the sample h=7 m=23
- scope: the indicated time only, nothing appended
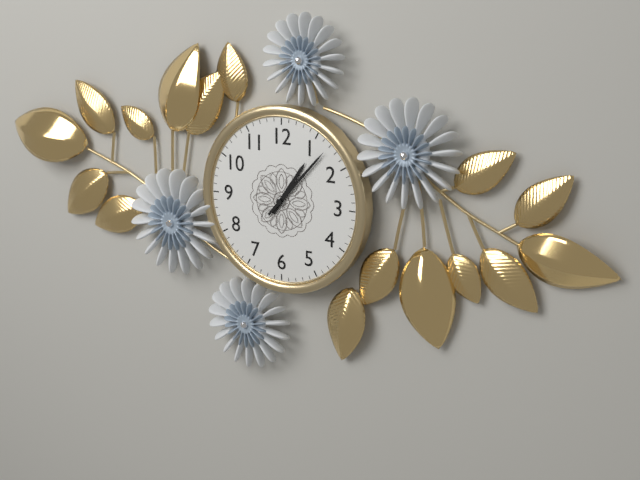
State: h=1 m=7
